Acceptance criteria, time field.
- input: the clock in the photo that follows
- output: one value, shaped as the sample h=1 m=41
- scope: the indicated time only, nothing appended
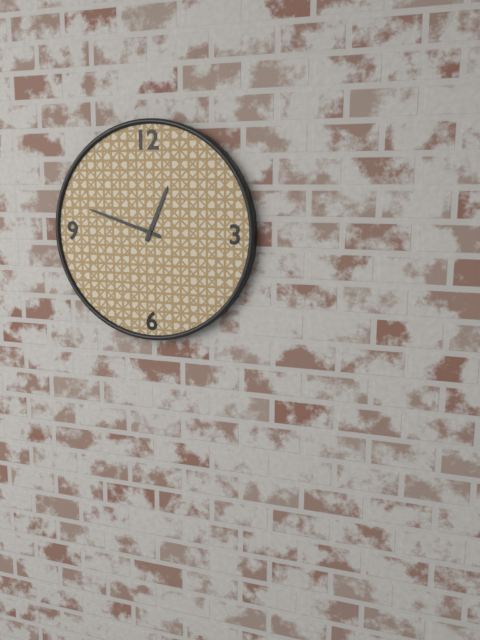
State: h=12 m=48
